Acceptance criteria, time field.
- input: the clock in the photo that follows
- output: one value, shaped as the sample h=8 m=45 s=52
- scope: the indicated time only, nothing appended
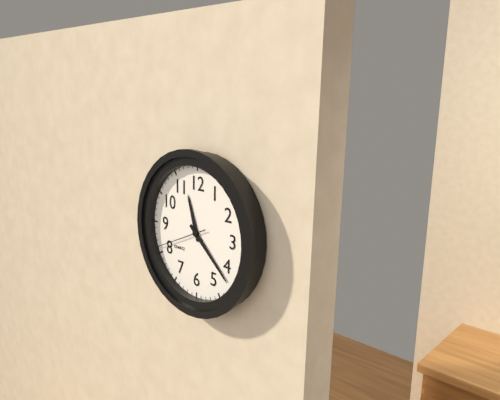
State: h=11 m=22 s=41
